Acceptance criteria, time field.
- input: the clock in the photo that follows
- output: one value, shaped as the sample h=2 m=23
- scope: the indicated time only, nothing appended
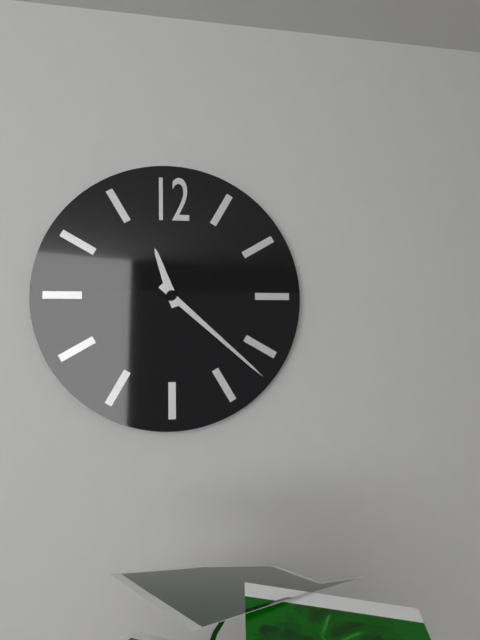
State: h=11 m=22
